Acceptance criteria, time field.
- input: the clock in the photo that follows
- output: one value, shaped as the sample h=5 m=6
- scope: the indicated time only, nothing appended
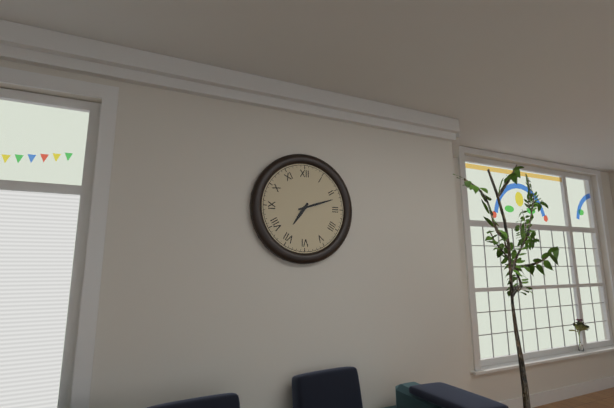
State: h=7 m=12
